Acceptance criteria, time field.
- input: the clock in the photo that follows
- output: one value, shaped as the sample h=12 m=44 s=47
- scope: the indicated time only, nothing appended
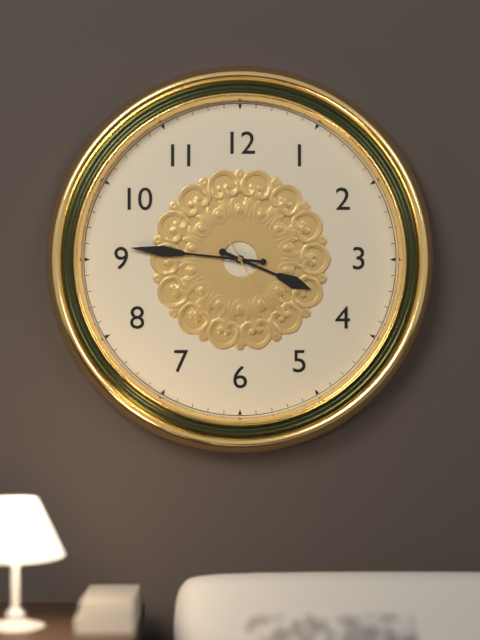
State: h=3 m=46 s=25
